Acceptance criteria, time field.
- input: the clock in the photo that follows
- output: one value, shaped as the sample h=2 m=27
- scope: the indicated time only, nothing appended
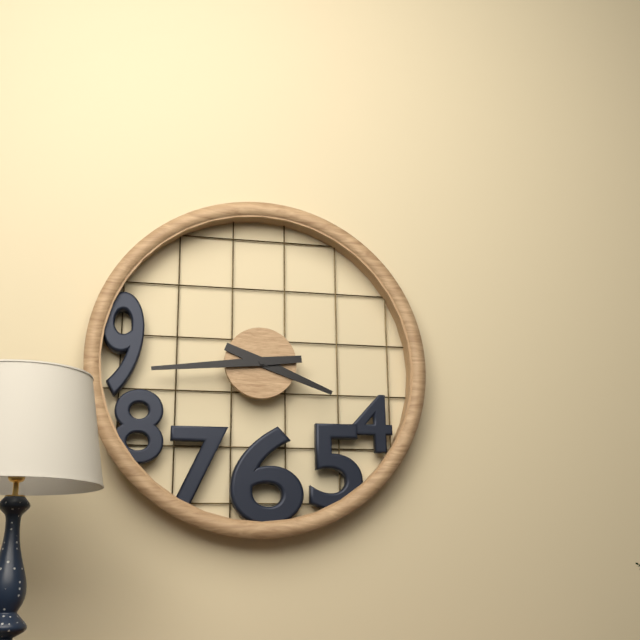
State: h=3 m=44
